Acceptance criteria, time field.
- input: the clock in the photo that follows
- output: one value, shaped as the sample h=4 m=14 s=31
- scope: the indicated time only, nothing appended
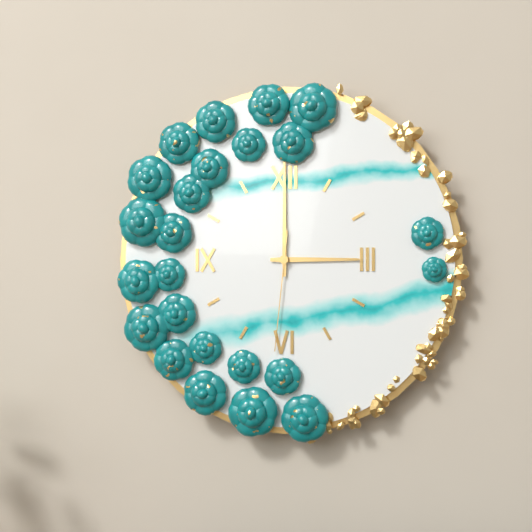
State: h=3 m=0 s=31
